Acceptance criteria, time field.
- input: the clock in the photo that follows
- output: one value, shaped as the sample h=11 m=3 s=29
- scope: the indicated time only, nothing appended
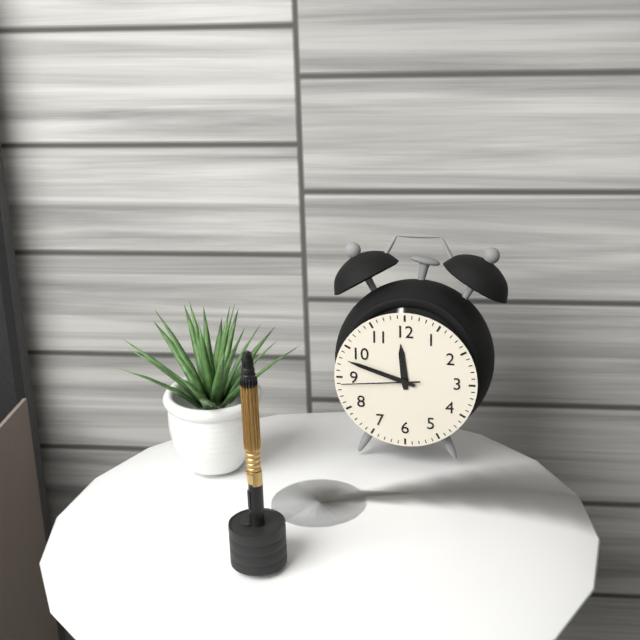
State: h=11 m=48 s=44
